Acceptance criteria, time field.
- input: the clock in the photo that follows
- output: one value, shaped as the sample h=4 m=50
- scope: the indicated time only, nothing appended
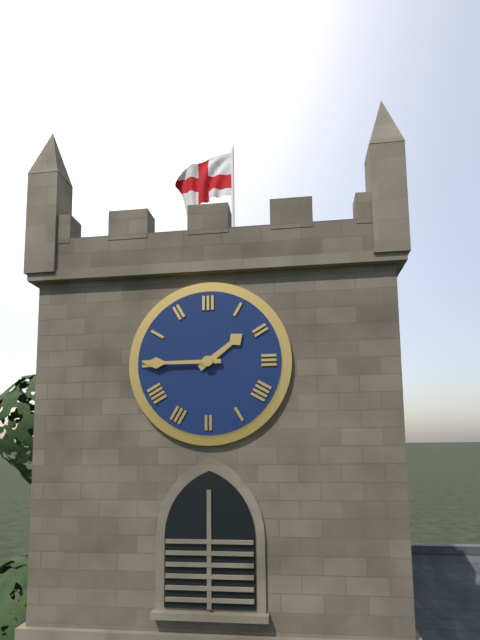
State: h=1 m=45
